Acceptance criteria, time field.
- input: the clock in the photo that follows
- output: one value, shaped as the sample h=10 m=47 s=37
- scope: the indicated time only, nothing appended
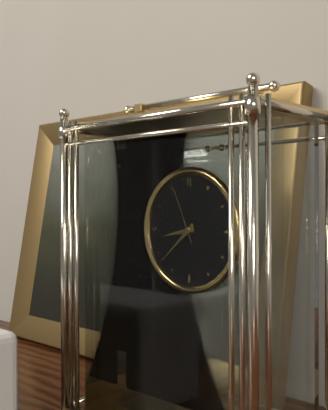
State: h=8 m=38 s=56
